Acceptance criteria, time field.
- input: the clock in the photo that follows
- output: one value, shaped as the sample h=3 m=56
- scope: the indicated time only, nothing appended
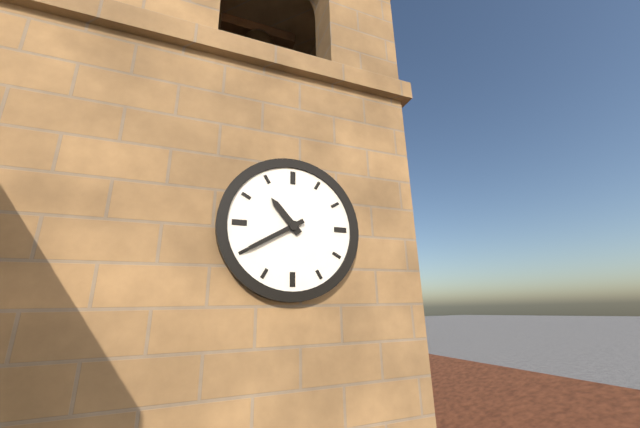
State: h=10 m=40
